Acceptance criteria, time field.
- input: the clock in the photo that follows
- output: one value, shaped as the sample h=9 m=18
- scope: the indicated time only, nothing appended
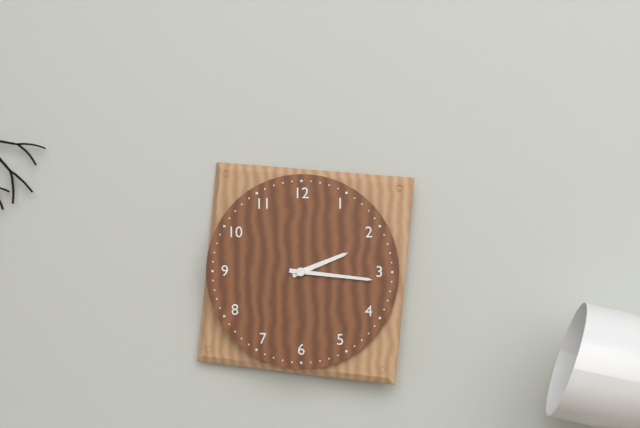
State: h=2 m=16
